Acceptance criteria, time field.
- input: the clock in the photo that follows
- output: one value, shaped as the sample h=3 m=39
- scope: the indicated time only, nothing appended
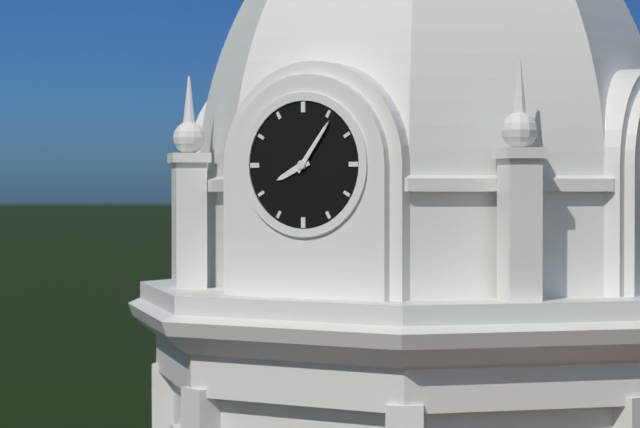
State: h=8 m=6
